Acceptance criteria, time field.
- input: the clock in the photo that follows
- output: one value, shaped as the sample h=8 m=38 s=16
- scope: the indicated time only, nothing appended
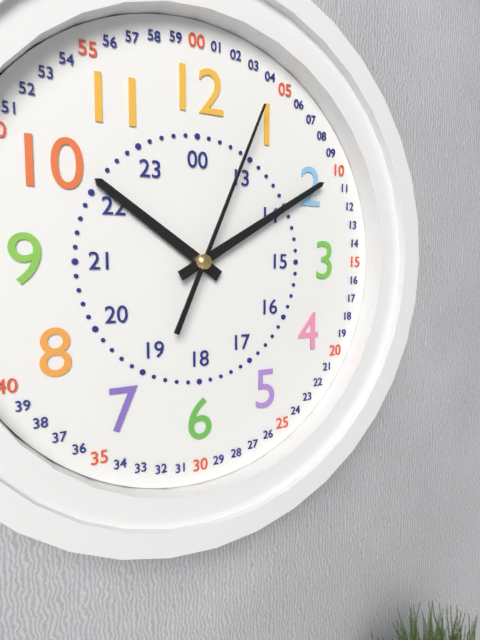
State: h=10 m=10 s=4
